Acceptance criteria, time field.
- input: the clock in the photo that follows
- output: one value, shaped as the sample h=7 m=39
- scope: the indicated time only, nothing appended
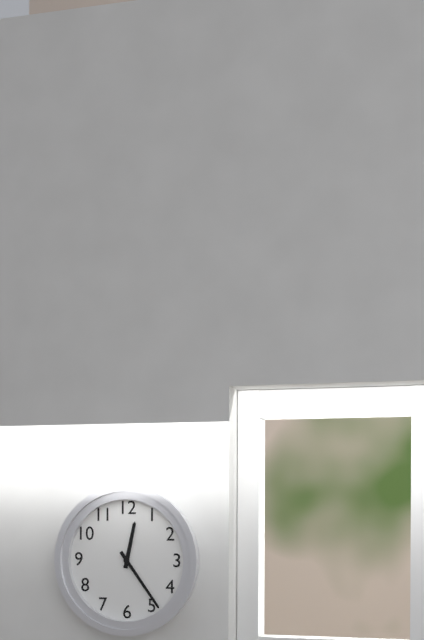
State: h=12 m=24
